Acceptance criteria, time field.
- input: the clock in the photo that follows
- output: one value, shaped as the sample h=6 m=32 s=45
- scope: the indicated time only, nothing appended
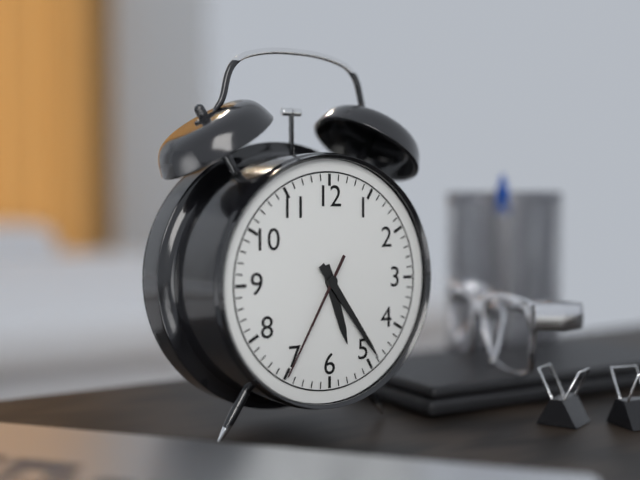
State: h=5 m=24 s=35
